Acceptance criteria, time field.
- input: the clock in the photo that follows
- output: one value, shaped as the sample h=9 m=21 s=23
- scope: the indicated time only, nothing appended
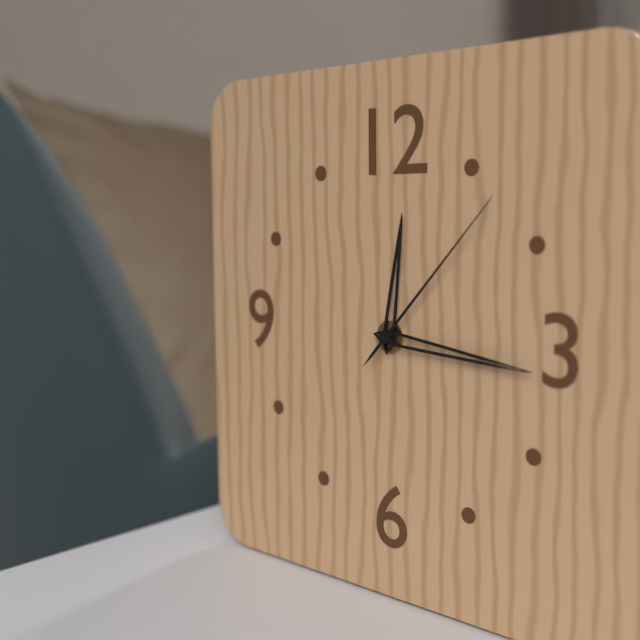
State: h=12 m=16 s=7
